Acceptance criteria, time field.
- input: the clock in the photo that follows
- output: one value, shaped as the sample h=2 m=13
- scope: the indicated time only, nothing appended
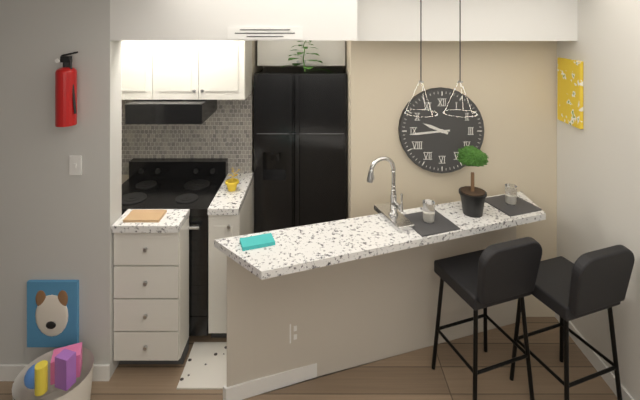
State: h=9 m=44
